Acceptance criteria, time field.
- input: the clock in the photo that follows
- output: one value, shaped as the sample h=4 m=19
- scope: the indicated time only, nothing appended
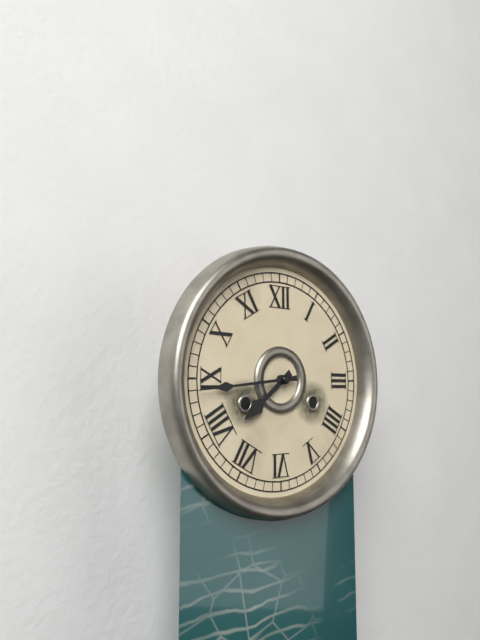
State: h=7 m=44
